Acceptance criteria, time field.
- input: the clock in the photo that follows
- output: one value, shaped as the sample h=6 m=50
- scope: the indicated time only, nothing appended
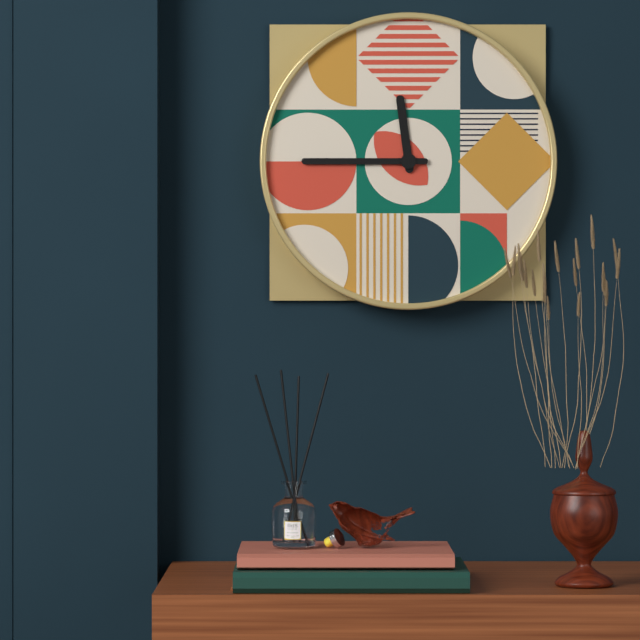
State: h=11 m=45
